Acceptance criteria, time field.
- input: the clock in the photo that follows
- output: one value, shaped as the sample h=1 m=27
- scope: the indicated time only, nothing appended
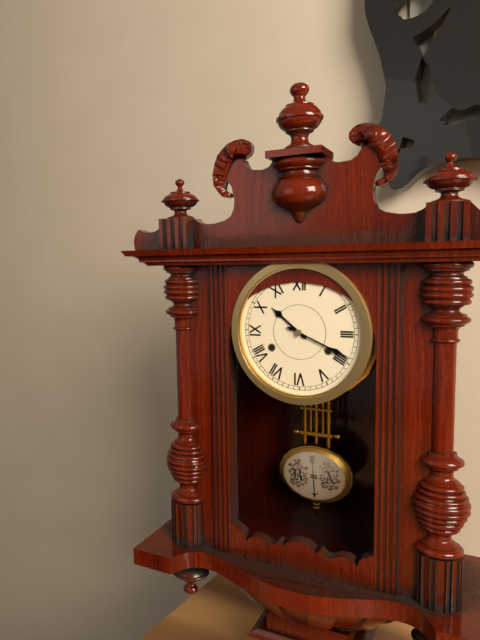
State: h=10 m=19
